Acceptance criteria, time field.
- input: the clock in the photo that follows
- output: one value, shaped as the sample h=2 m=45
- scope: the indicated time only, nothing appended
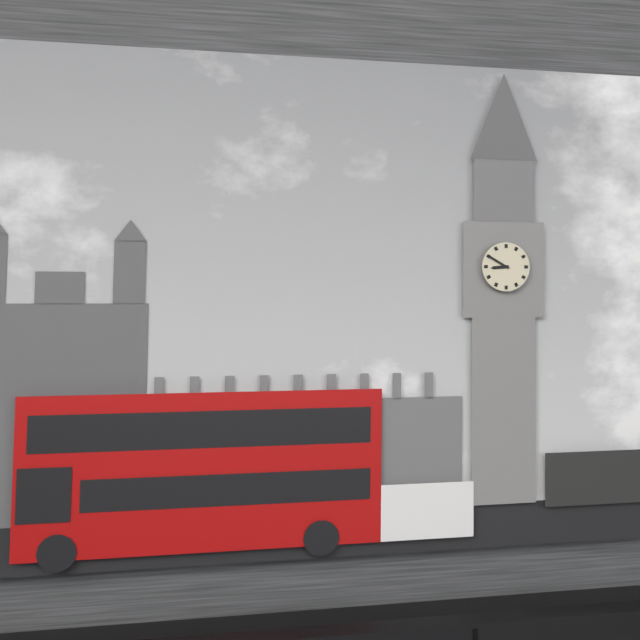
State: h=8 m=50
